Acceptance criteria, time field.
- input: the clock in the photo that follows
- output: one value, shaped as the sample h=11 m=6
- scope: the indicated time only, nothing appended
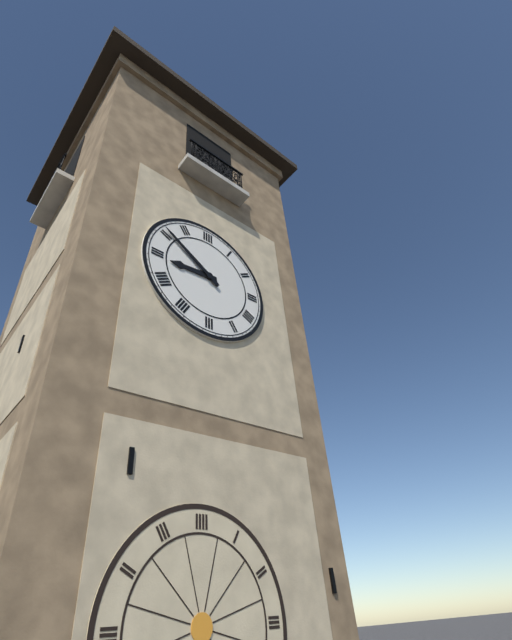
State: h=8 m=51
